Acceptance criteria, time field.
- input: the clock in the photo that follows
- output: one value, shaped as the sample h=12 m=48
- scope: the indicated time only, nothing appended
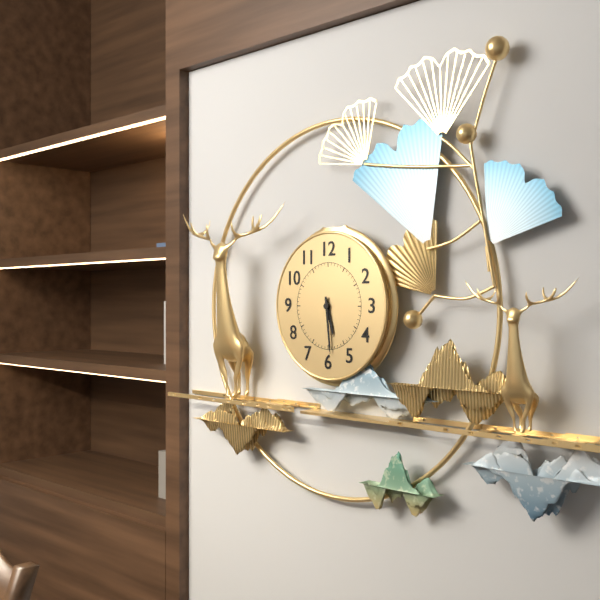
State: h=5 m=29
